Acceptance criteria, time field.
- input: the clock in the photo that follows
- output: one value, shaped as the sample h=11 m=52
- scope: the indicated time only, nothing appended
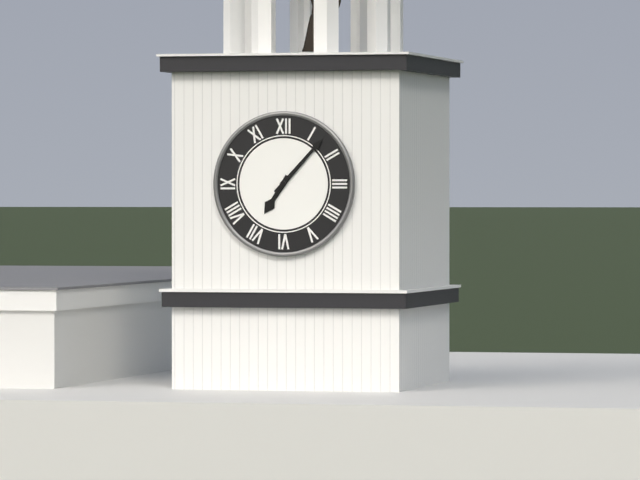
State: h=7 m=7
